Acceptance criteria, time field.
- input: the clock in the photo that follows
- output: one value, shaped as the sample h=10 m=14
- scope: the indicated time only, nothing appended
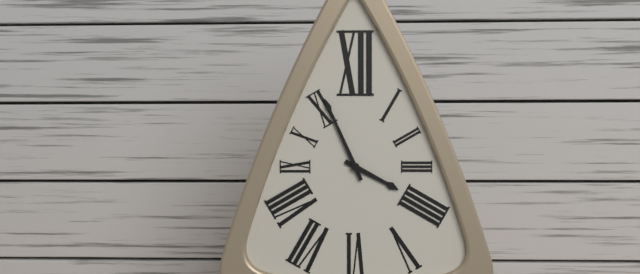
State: h=3 m=56
